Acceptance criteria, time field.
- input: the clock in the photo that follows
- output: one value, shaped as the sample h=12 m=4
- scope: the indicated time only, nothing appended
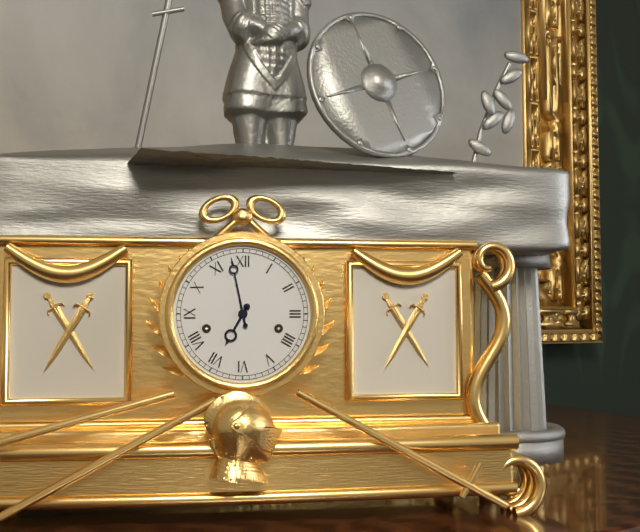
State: h=6 m=58
